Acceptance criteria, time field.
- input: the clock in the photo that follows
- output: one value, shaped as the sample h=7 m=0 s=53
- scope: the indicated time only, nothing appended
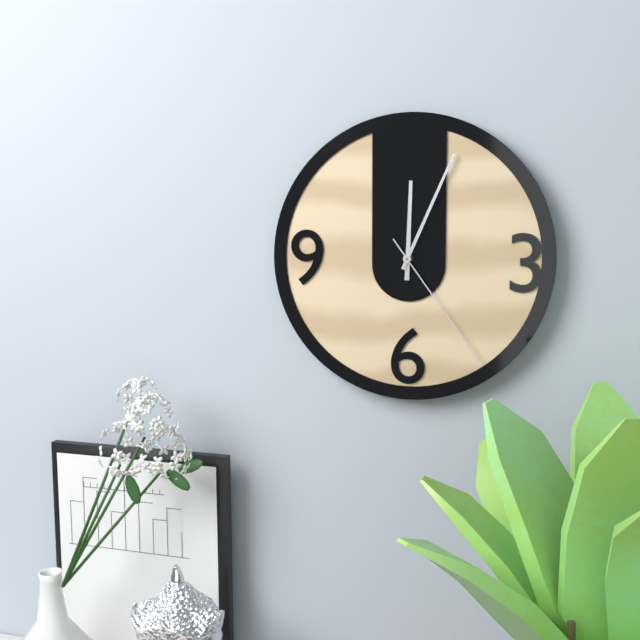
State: h=12 m=4 s=24
